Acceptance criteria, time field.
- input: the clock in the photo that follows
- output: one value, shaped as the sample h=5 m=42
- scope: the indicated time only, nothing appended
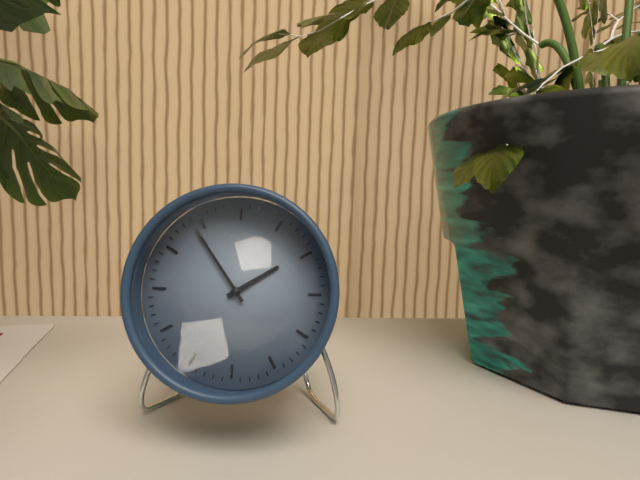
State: h=1 m=54
